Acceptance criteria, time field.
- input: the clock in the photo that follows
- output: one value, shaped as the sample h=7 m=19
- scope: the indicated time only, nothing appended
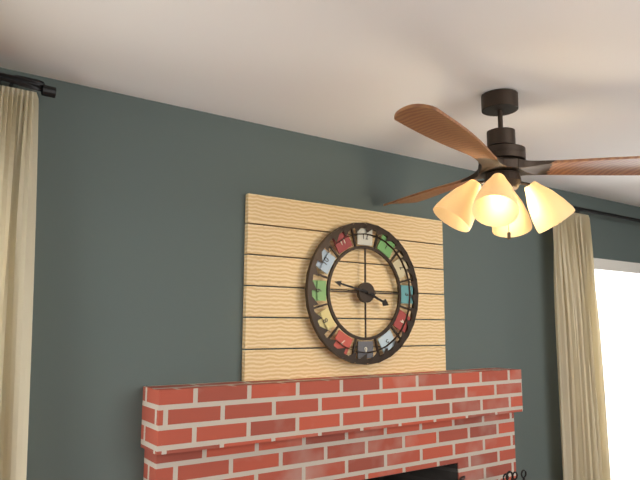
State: h=3 m=47
